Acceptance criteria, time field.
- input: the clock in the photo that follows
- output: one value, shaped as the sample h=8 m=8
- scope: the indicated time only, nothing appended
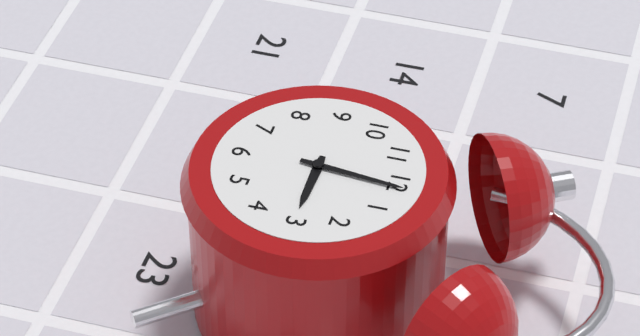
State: h=3 m=1
